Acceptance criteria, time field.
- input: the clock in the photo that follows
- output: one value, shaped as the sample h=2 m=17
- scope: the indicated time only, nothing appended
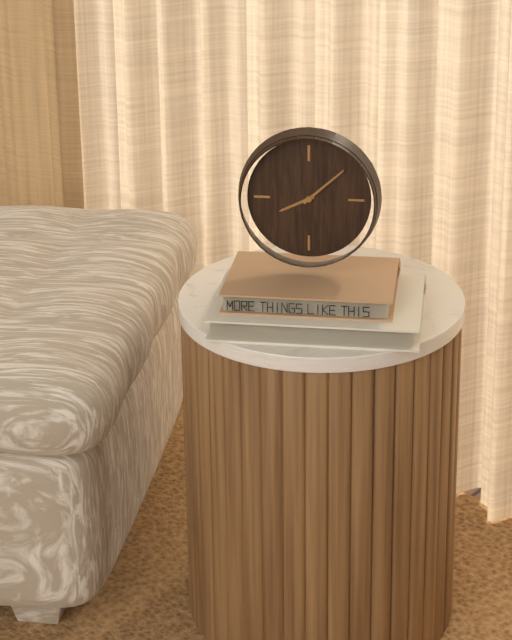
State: h=8 m=8
